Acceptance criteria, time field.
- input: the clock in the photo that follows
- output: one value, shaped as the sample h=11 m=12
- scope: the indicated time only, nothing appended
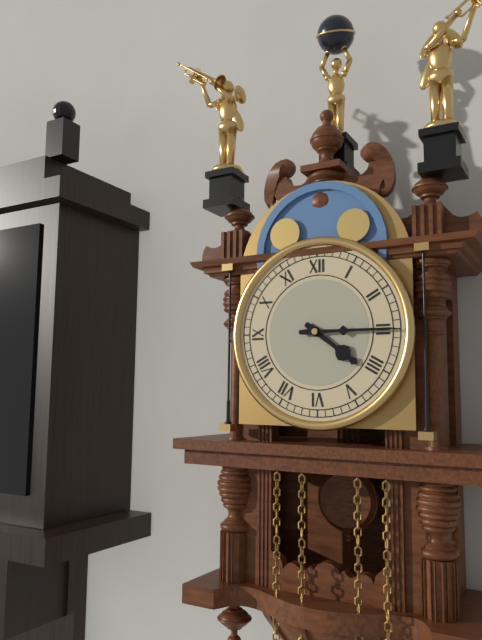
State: h=4 m=15
